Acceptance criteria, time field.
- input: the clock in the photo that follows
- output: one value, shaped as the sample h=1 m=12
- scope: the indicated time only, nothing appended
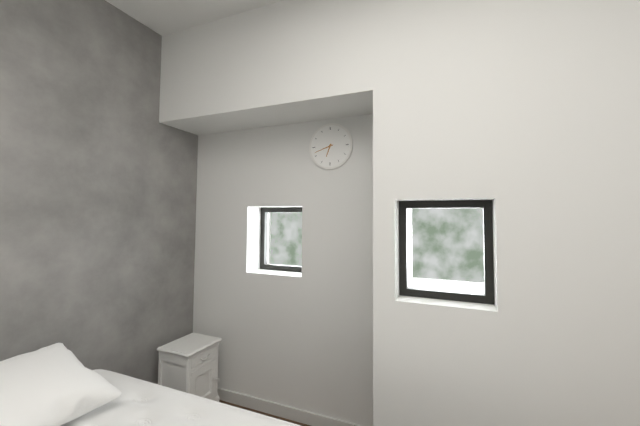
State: h=6 m=42
